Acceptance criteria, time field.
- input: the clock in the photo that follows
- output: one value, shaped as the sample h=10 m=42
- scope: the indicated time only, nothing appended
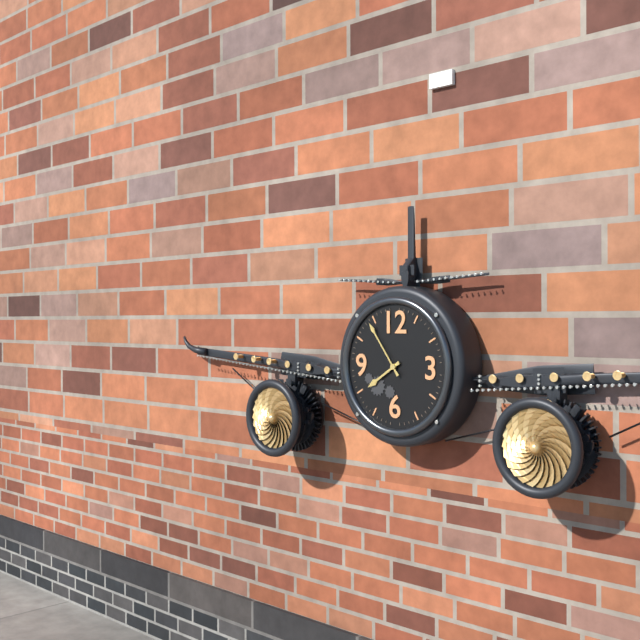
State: h=7 m=54
